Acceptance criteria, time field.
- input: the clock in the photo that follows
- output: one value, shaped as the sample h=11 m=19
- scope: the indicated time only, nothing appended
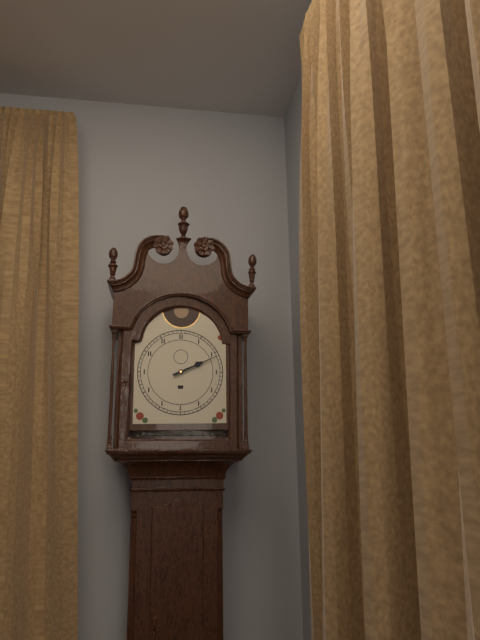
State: h=2 m=11
